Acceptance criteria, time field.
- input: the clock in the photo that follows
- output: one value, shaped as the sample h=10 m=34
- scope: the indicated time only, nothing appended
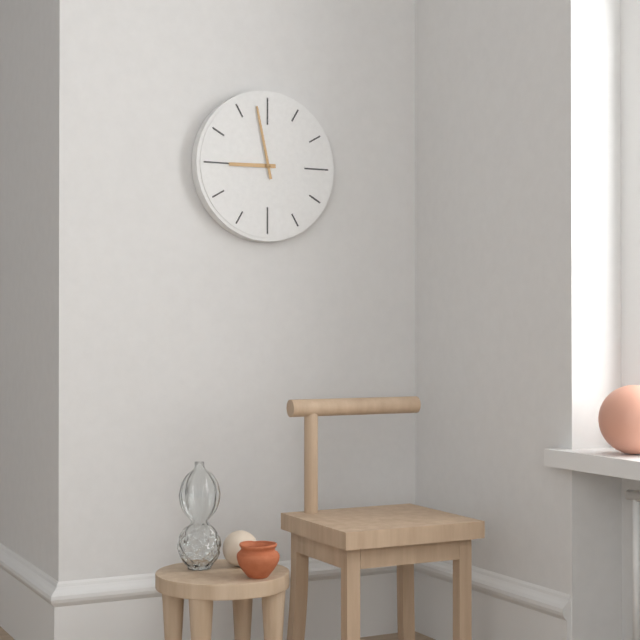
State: h=8 m=58
